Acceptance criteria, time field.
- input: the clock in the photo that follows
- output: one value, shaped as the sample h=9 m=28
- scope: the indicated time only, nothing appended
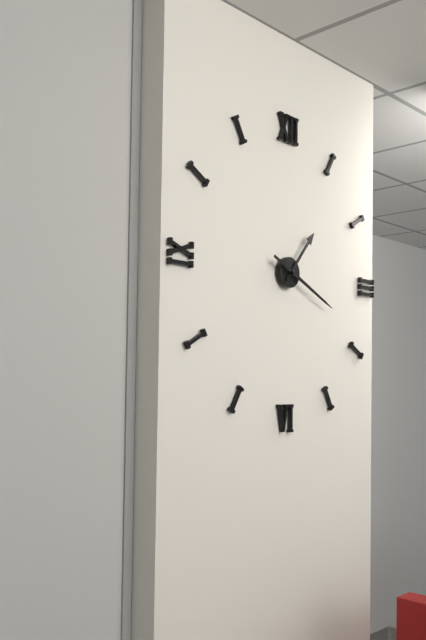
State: h=1 m=19
